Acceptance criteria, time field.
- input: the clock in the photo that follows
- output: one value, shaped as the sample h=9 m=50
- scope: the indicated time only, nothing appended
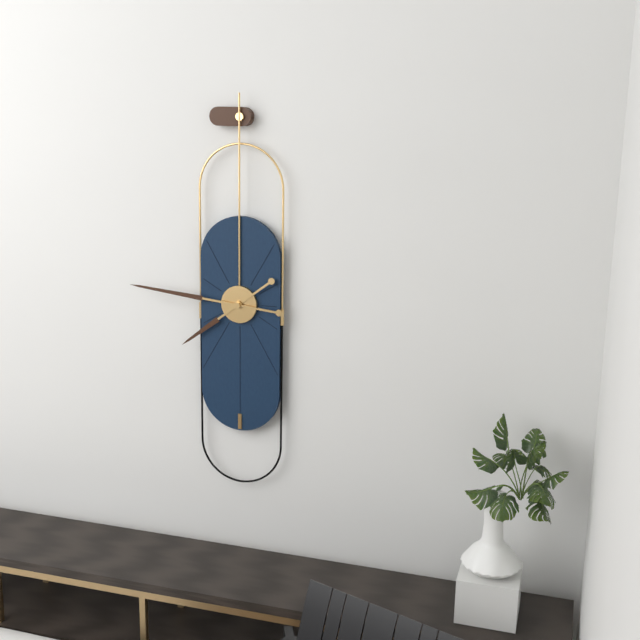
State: h=7 m=46
